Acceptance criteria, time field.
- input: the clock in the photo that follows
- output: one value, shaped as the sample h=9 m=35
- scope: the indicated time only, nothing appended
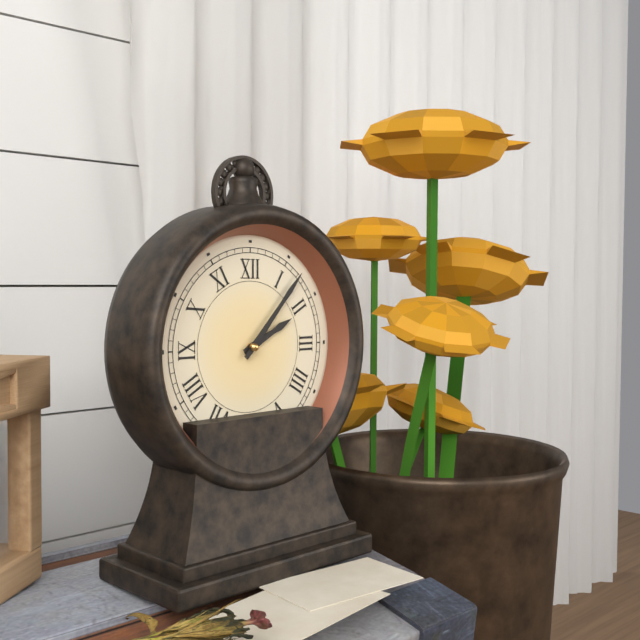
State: h=2 m=7
